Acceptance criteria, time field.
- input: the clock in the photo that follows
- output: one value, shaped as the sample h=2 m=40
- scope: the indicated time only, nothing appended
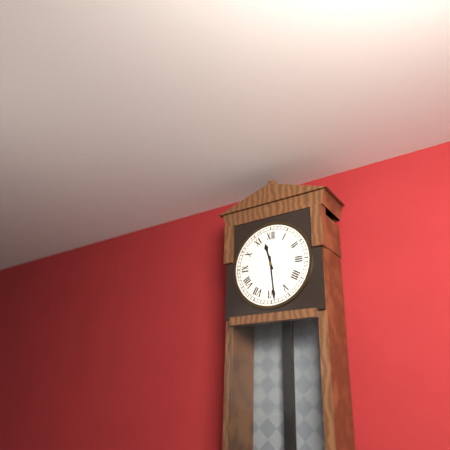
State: h=11 m=29
